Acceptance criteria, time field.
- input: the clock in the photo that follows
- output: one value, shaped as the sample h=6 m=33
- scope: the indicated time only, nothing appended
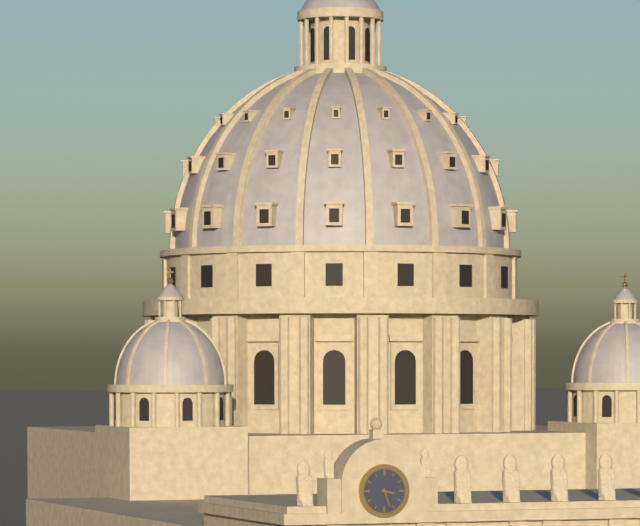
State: h=3 m=27
